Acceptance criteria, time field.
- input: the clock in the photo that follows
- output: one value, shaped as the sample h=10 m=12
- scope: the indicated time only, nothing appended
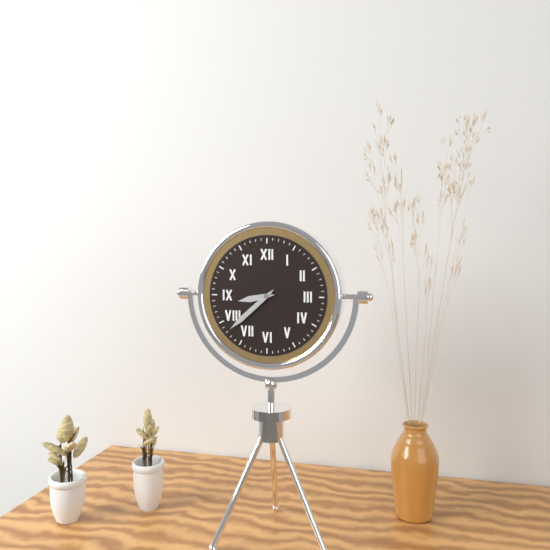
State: h=8 m=38
